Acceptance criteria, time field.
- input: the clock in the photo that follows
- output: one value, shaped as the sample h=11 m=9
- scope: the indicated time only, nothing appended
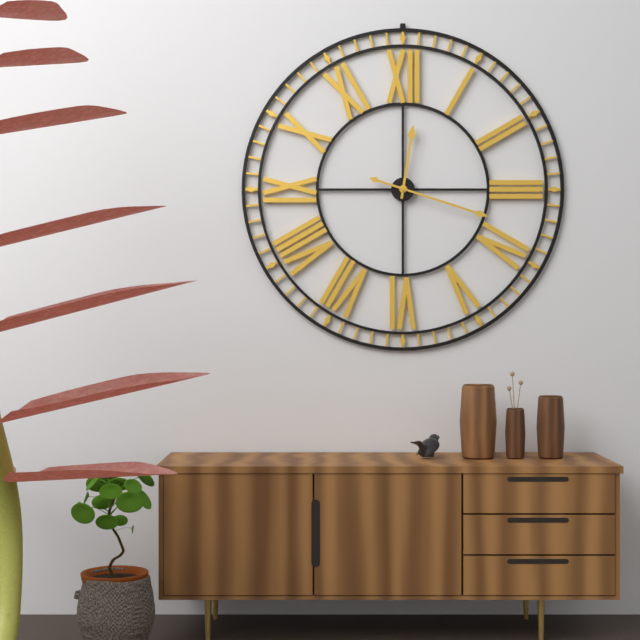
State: h=12 m=18
